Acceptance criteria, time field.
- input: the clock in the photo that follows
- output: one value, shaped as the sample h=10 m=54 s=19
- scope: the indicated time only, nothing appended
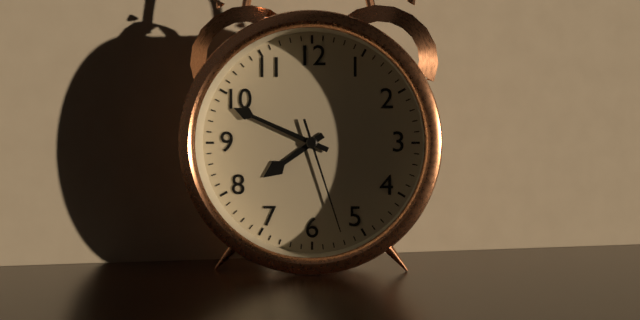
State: h=7 m=49 s=27
